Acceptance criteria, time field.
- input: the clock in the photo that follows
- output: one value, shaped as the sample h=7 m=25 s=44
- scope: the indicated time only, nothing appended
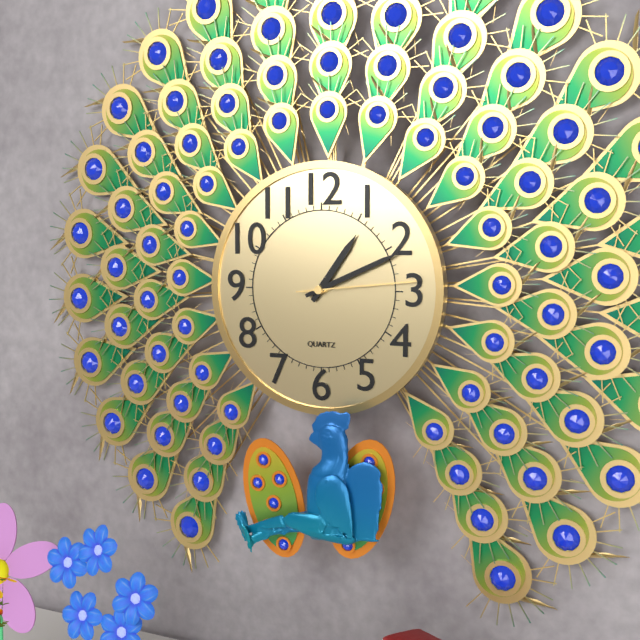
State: h=1 m=11 s=14
